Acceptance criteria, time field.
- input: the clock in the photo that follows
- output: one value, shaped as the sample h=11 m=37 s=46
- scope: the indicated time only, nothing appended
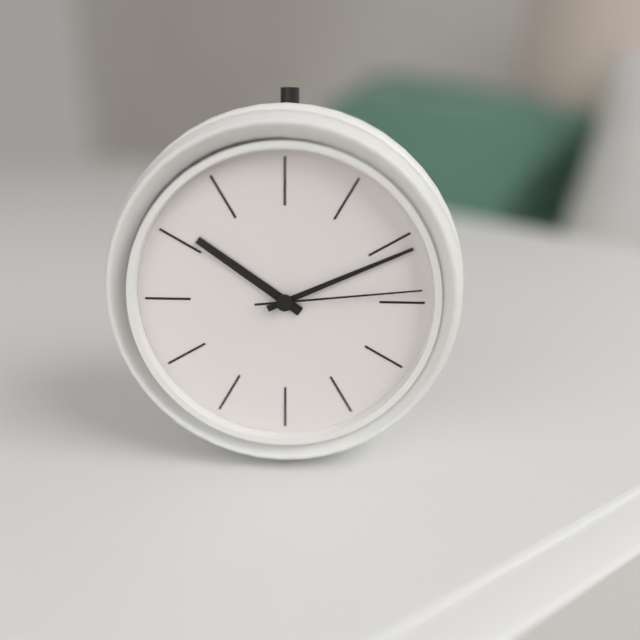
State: h=10 m=11 s=14
